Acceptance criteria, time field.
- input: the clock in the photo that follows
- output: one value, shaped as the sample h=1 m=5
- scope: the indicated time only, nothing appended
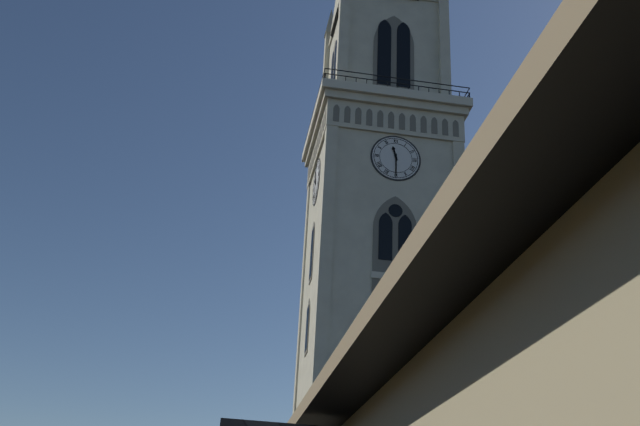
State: h=11 m=30
